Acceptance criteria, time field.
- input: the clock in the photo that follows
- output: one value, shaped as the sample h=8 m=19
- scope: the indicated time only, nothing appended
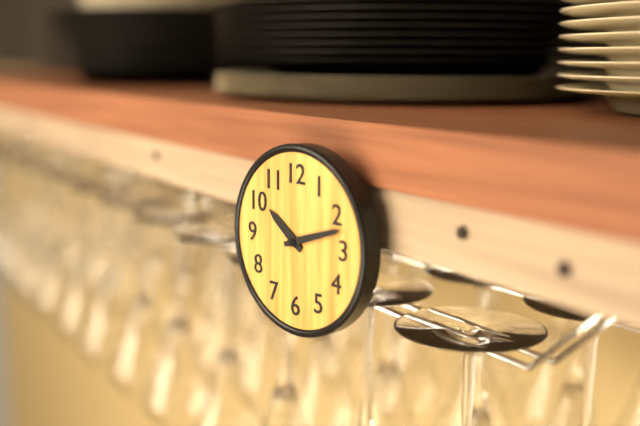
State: h=10 m=12
